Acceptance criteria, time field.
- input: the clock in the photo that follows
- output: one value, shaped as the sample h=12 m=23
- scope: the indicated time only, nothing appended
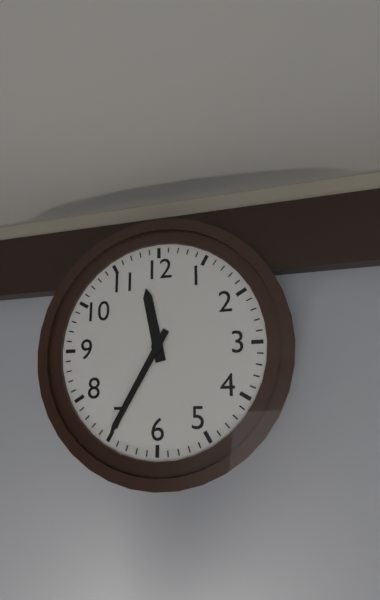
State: h=11 m=35
